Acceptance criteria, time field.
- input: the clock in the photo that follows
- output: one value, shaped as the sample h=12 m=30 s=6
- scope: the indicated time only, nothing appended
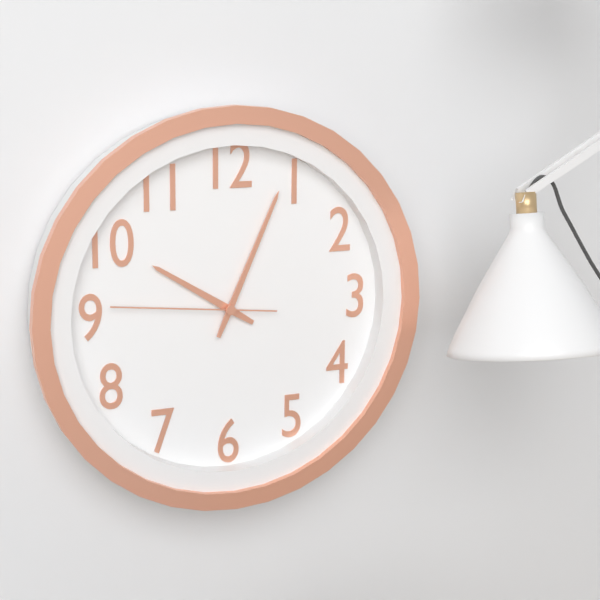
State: h=10 m=4 s=46
